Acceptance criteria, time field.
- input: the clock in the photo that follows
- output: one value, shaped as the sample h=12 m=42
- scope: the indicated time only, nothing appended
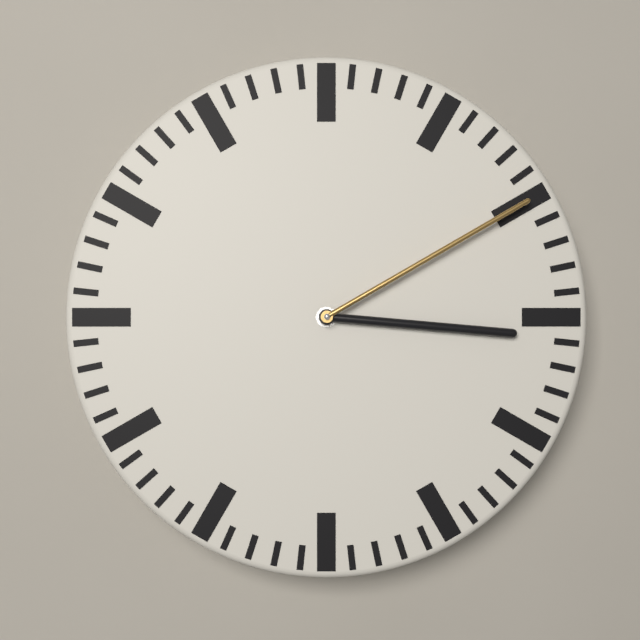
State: h=3 m=10
